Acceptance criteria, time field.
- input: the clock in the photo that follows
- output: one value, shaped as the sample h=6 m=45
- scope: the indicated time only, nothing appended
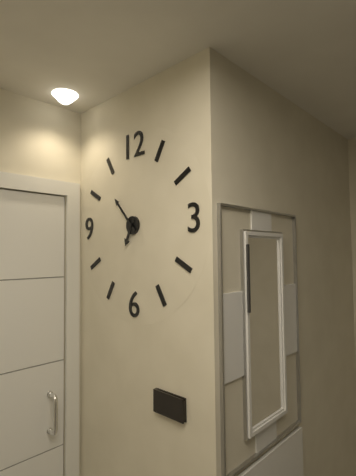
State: h=6 m=53
